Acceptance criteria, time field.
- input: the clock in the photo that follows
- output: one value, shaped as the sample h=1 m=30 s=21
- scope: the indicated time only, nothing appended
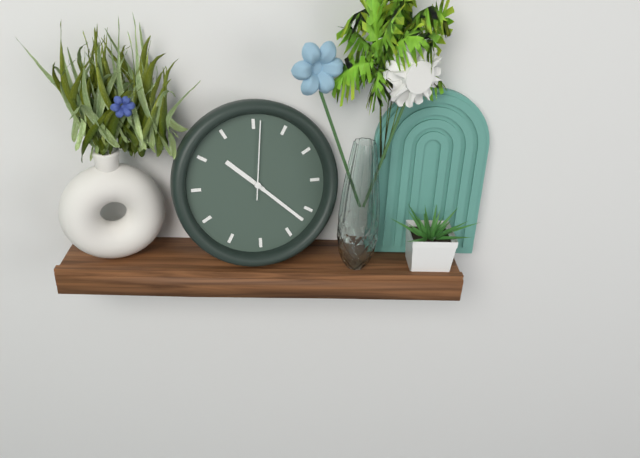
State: h=10 m=22 s=1
